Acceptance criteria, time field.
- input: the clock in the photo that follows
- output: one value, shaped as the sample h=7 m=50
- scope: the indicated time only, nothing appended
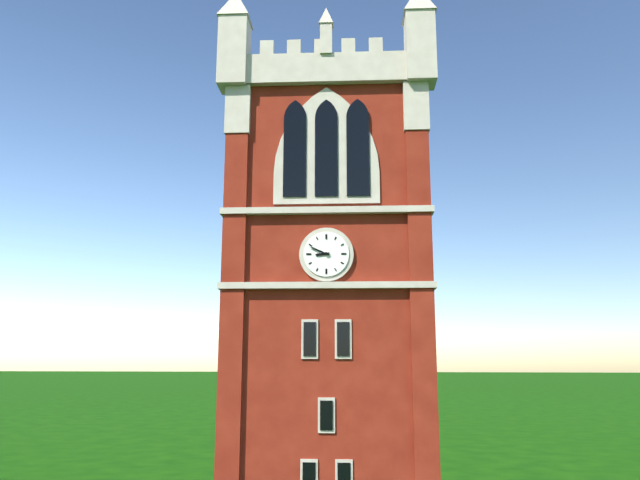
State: h=8 m=49
